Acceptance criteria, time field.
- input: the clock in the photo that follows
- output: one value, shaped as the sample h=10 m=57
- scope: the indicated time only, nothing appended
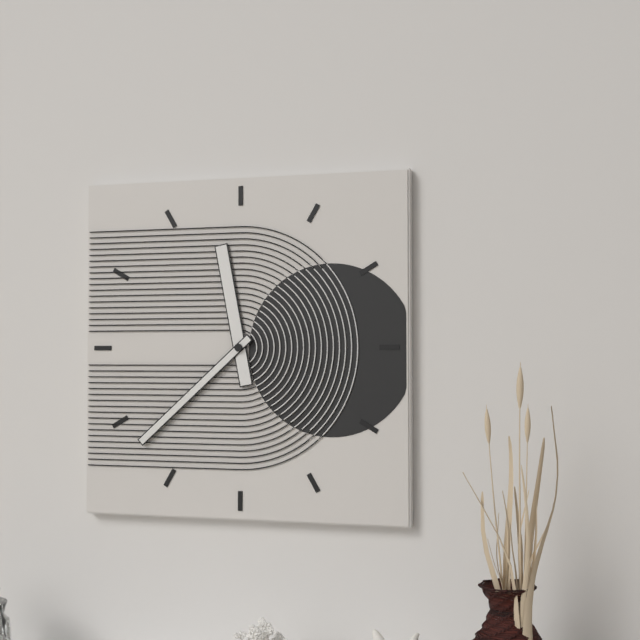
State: h=11 m=38
